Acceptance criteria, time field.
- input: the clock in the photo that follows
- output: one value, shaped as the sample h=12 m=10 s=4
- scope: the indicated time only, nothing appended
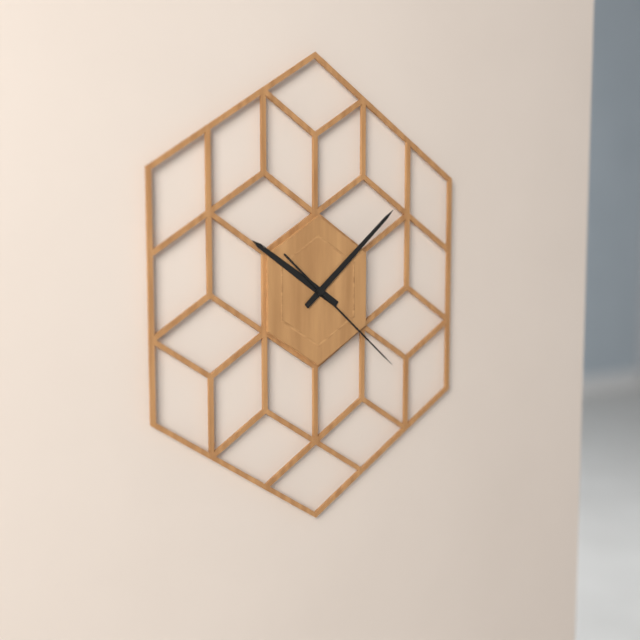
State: h=10 m=8 s=22
